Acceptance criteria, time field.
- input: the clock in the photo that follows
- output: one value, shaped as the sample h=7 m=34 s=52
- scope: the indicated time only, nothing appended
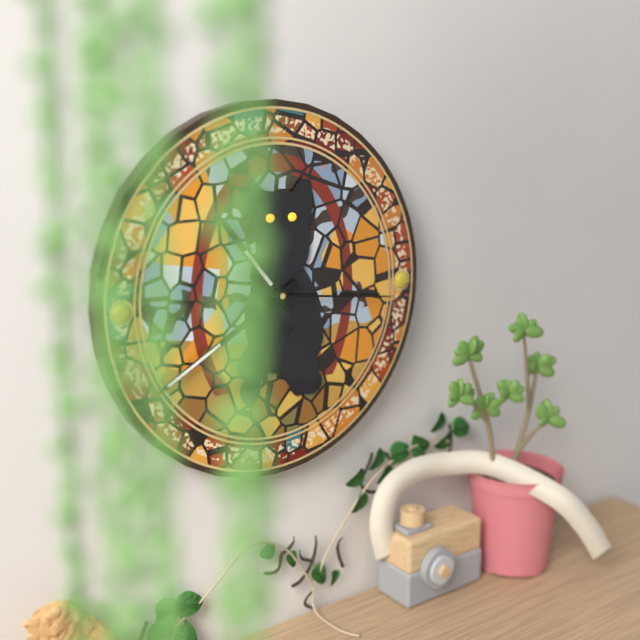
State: h=10 m=40 s=16
